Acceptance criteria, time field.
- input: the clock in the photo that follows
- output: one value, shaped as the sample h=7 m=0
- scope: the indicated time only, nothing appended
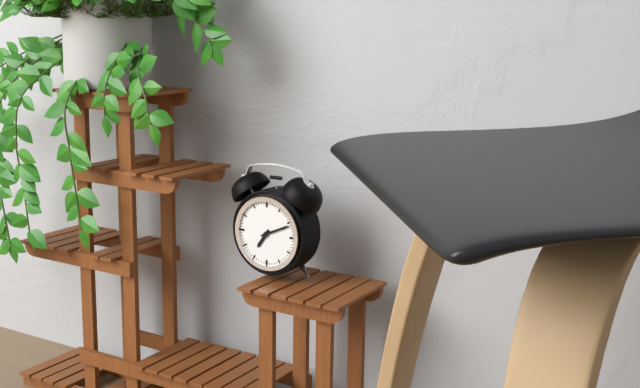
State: h=7 m=11
